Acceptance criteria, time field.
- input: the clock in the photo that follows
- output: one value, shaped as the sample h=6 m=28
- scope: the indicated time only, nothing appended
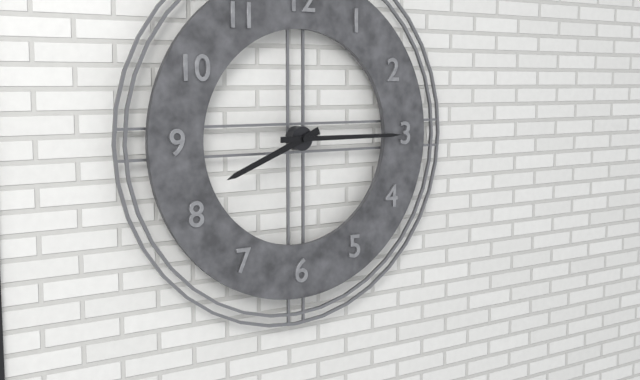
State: h=8 m=15
